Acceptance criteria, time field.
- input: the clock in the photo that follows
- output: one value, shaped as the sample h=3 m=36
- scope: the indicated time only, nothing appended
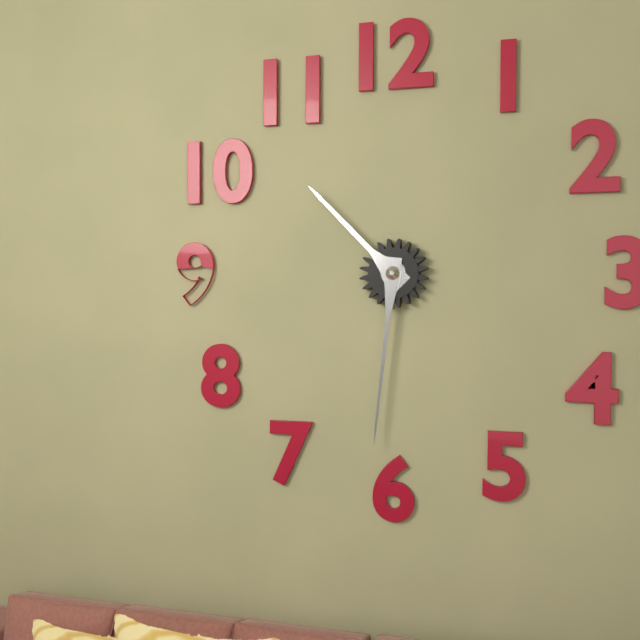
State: h=10 m=31
